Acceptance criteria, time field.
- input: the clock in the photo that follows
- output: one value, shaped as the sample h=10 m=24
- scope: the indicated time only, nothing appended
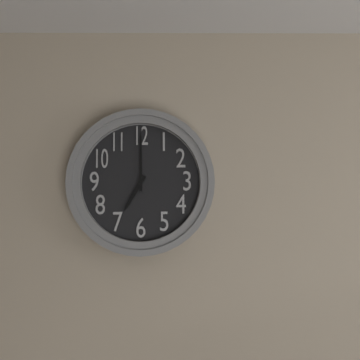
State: h=7 m=0
